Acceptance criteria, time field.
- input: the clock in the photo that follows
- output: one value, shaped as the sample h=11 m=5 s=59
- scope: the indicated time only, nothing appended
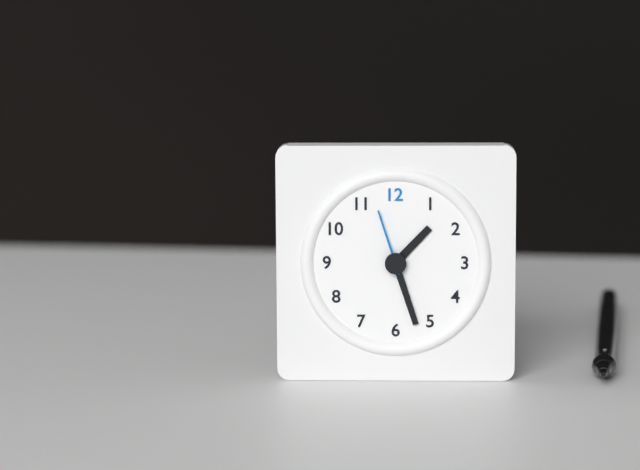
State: h=1 m=27 s=57
